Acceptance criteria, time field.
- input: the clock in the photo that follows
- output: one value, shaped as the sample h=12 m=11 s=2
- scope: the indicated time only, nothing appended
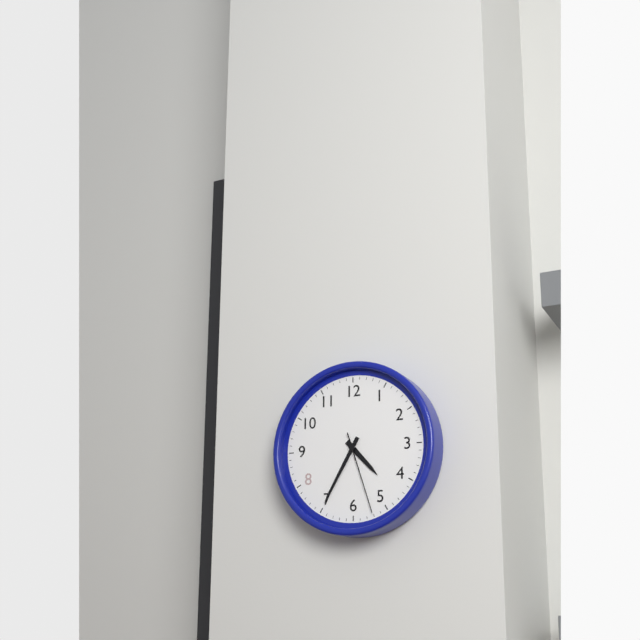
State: h=4 m=35 s=27
